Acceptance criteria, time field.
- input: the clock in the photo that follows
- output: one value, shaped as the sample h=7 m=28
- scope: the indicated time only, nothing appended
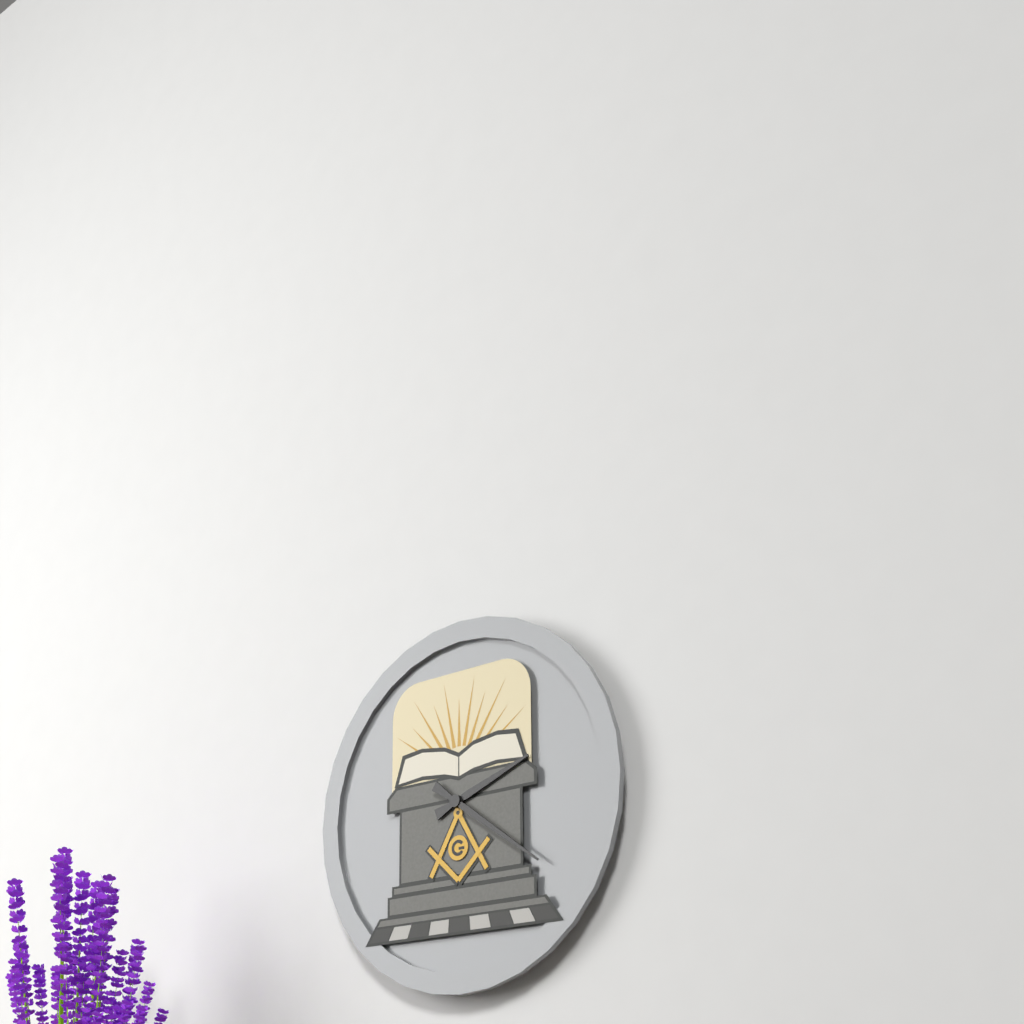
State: h=2 m=21
